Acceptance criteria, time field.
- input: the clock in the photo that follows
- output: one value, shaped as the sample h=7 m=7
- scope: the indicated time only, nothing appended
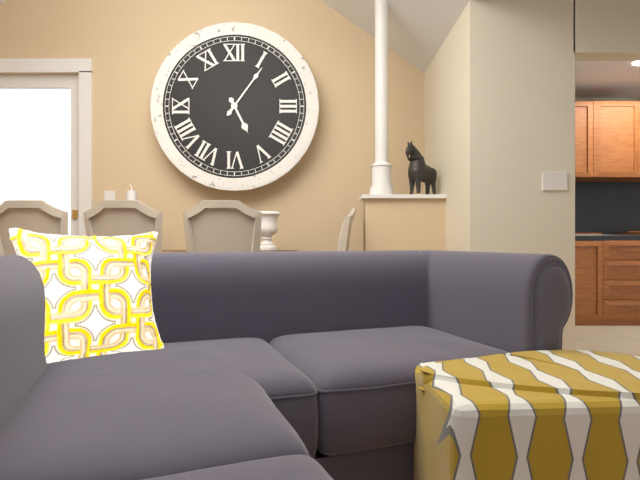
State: h=5 m=6
